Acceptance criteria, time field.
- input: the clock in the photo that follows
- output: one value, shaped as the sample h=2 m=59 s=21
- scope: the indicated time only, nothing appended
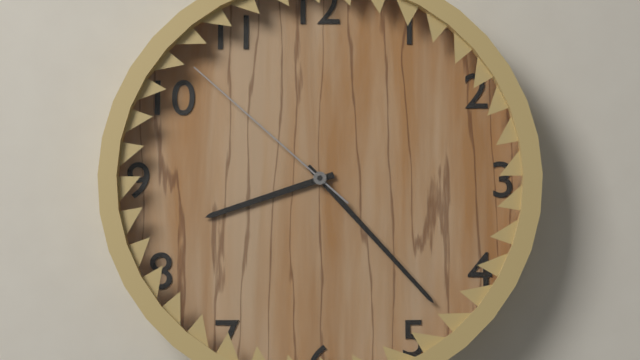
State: h=8 m=23 s=52
